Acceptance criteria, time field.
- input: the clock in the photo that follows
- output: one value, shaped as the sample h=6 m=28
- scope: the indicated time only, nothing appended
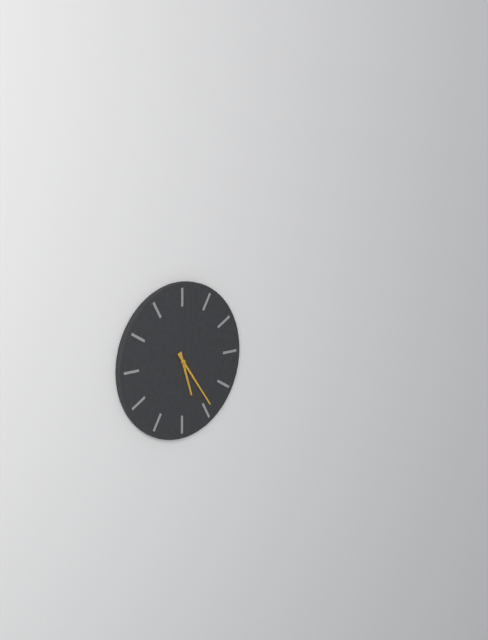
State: h=5 m=24
